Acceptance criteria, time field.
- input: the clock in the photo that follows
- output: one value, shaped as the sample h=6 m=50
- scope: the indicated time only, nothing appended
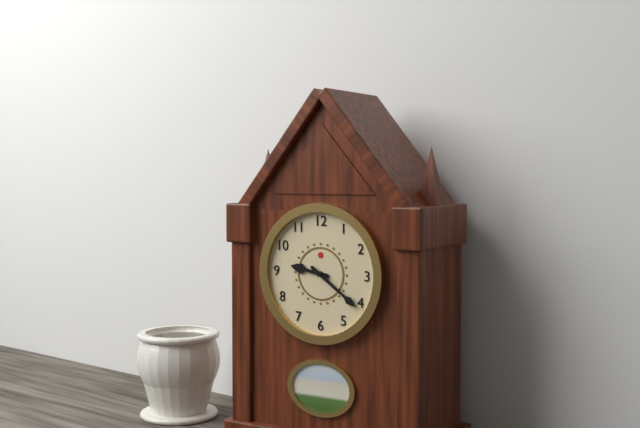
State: h=9 m=21
